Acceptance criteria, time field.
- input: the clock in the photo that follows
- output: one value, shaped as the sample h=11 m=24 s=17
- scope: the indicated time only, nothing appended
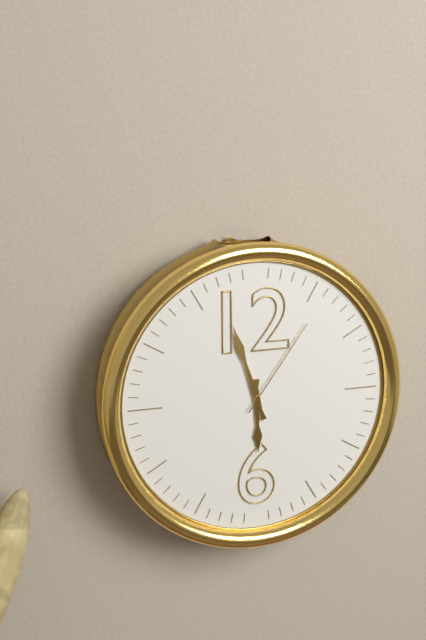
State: h=5 m=57 s=6
